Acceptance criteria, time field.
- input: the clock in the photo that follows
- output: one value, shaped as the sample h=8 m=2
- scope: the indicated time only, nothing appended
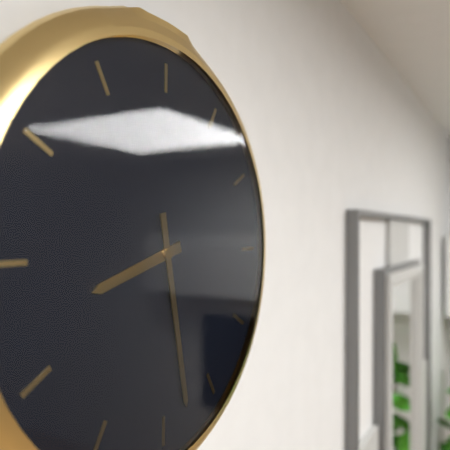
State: h=8 m=28
